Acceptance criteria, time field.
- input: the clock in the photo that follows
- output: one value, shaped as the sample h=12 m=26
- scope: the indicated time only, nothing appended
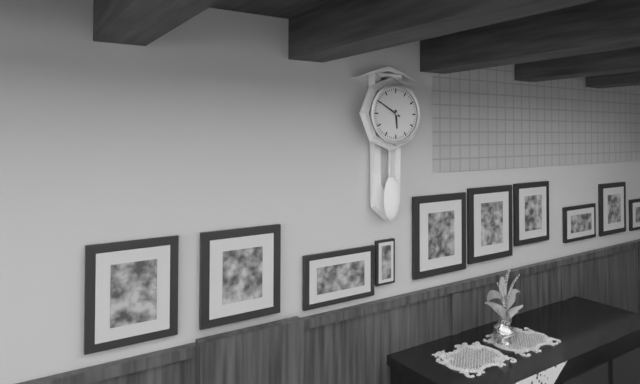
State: h=5 m=50
